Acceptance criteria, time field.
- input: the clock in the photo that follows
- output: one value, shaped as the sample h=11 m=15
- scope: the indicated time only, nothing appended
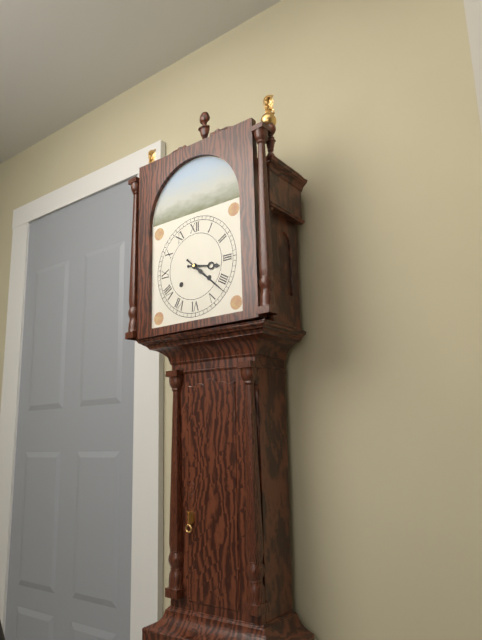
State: h=3 m=22
